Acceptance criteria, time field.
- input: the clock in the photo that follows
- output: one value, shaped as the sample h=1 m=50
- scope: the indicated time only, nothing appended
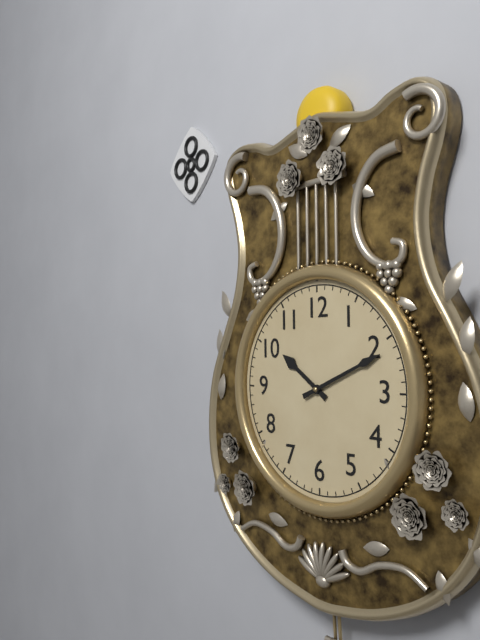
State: h=10 m=11
